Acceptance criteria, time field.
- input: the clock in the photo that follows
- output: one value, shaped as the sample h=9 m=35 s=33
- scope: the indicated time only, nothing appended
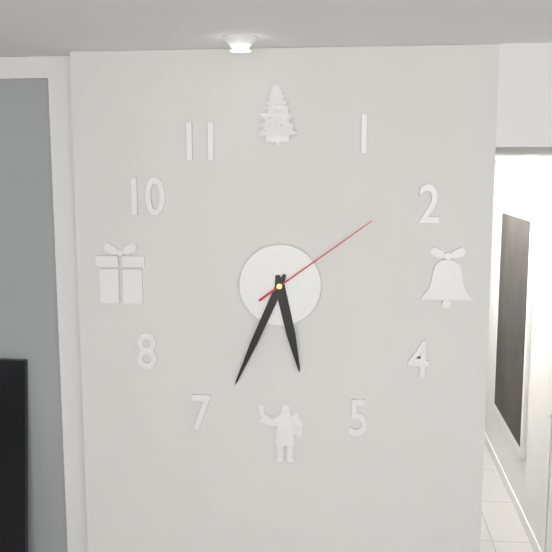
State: h=5 m=34 s=9
